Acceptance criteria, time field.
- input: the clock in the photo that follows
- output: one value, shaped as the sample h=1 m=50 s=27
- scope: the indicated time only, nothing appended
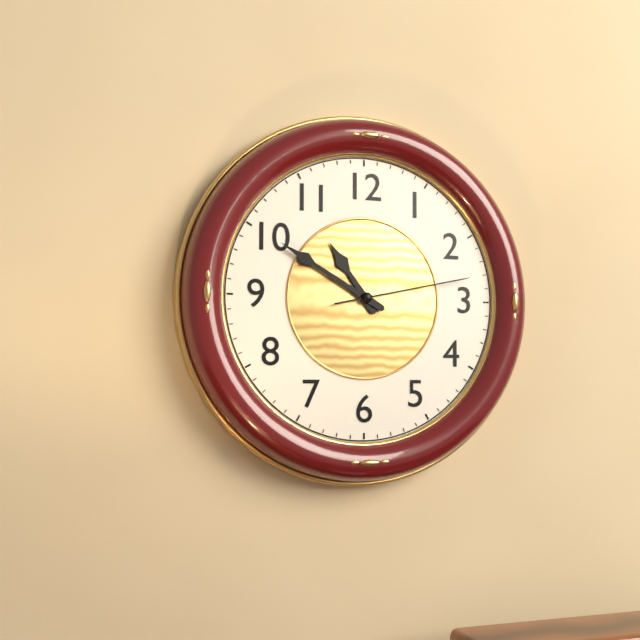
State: h=10 m=50 s=13
